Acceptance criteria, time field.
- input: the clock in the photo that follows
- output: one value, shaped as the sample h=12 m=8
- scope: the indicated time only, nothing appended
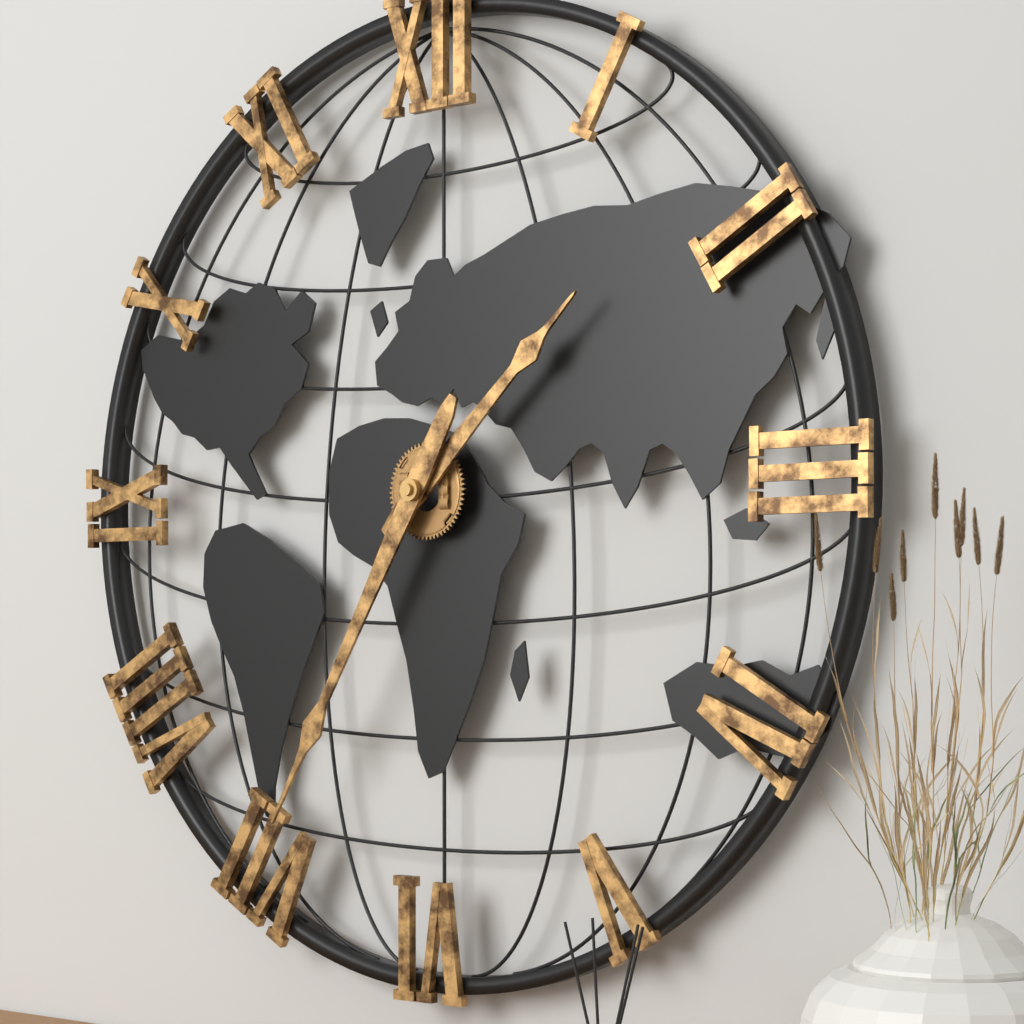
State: h=1 m=35
